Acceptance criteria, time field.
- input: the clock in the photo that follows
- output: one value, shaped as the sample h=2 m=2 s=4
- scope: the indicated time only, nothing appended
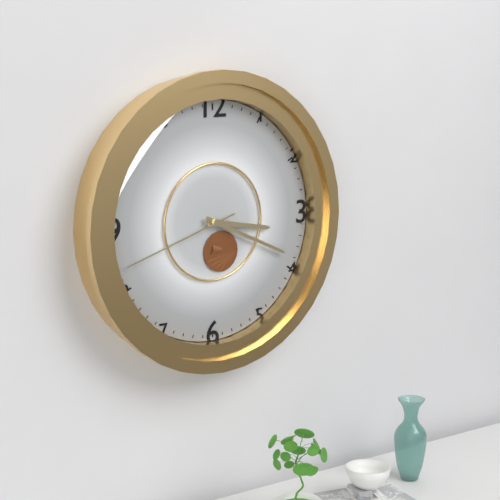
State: h=3 m=19 s=42
